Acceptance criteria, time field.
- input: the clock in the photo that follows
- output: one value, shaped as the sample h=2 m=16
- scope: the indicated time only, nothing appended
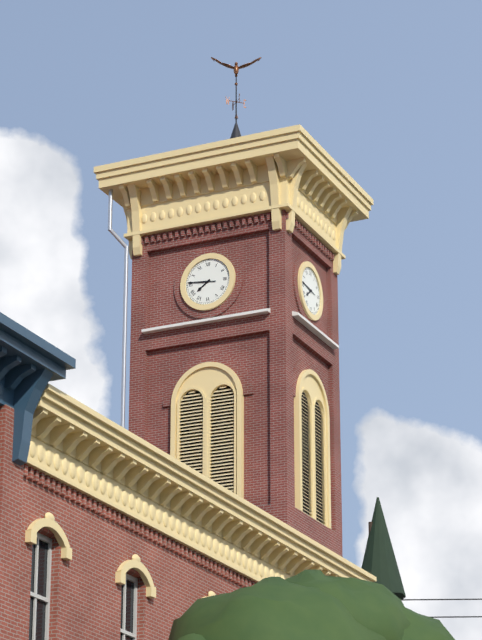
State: h=7 m=46
